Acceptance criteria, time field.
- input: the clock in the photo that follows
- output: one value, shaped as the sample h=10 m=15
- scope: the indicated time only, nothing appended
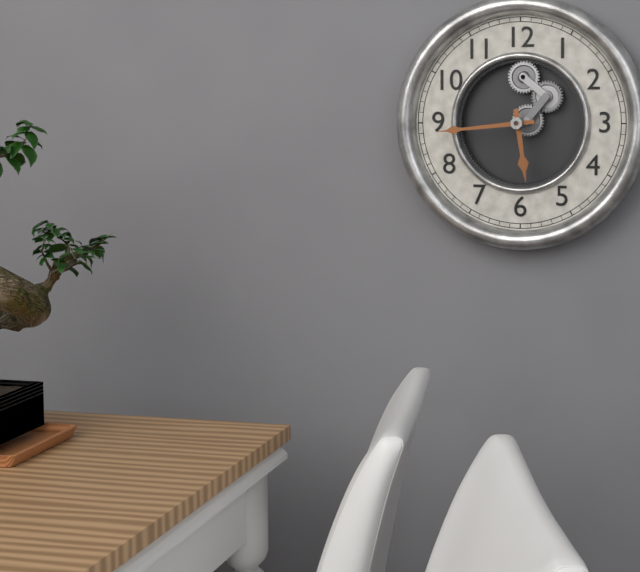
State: h=5 m=44
